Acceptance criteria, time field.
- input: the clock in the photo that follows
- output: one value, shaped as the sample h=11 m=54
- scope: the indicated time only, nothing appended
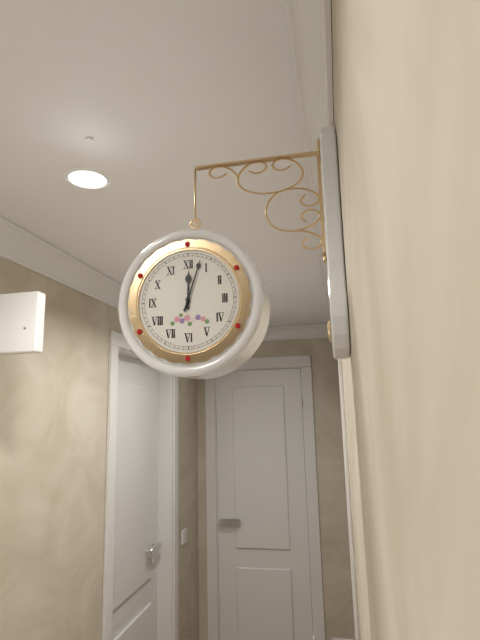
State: h=12 m=3
